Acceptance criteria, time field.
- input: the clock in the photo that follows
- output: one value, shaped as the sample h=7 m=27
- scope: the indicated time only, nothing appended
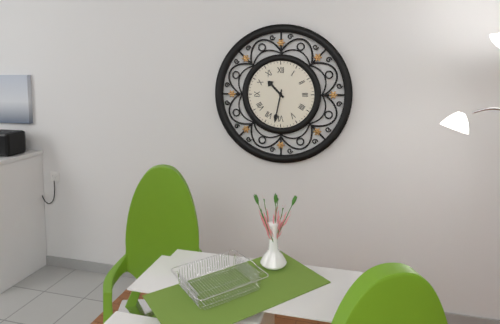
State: h=10 m=32
